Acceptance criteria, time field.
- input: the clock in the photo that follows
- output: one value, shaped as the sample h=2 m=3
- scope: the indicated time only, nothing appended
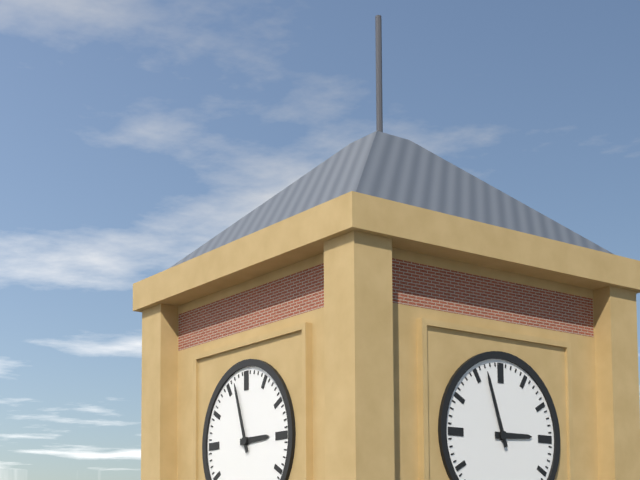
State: h=2 m=57
